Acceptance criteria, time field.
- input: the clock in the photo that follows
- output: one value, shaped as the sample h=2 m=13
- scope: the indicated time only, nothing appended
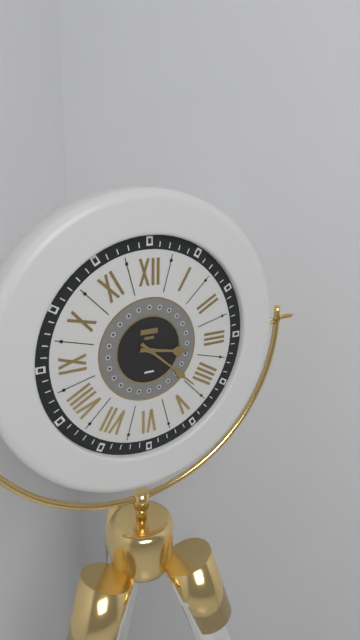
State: h=3 m=22
